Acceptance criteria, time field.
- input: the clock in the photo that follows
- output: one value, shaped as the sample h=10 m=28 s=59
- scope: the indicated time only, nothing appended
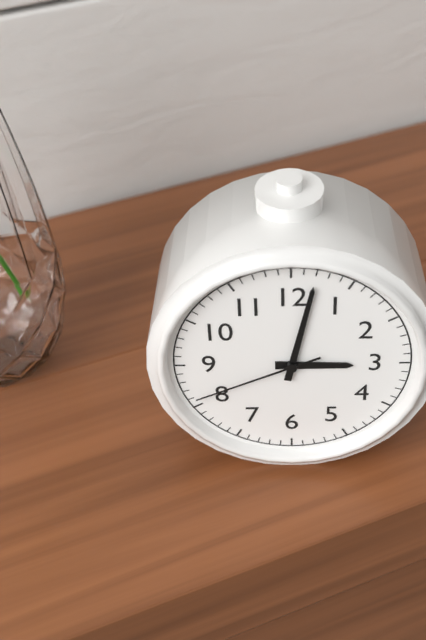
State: h=3 m=2 s=41
